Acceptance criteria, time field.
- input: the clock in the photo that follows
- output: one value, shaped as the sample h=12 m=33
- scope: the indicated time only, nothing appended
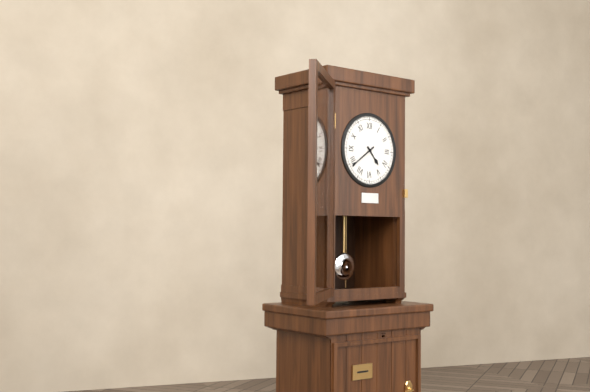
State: h=4 m=39
